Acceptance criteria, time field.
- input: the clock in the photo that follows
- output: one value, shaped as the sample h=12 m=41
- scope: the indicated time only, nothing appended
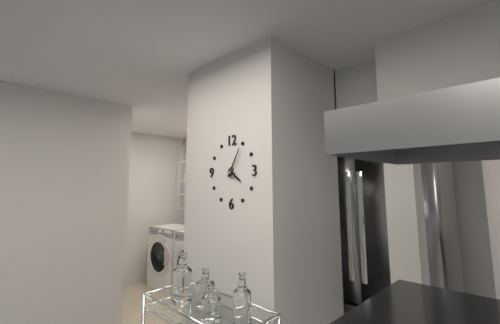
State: h=4 m=5
